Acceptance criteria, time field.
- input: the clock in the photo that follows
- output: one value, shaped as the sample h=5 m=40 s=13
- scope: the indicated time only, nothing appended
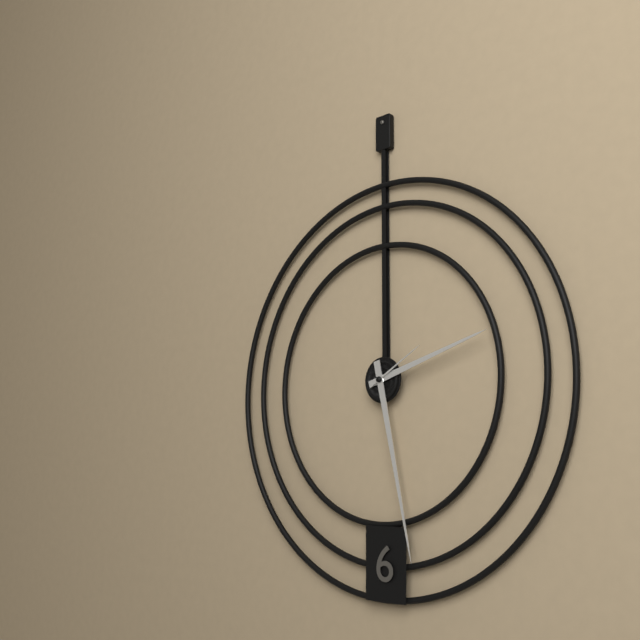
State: h=2 m=28 s=10
